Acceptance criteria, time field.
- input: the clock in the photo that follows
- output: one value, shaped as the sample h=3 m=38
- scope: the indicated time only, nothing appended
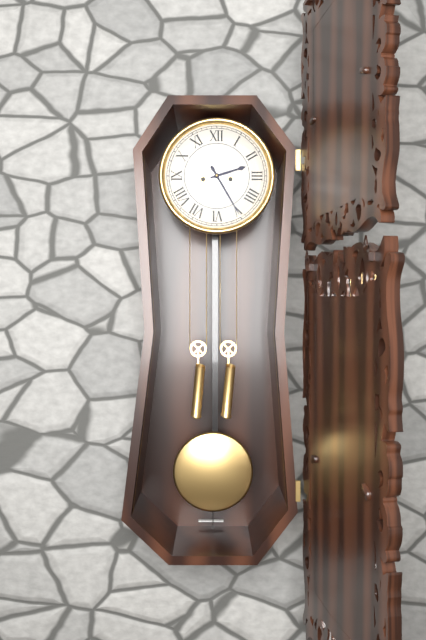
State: h=2 m=25
